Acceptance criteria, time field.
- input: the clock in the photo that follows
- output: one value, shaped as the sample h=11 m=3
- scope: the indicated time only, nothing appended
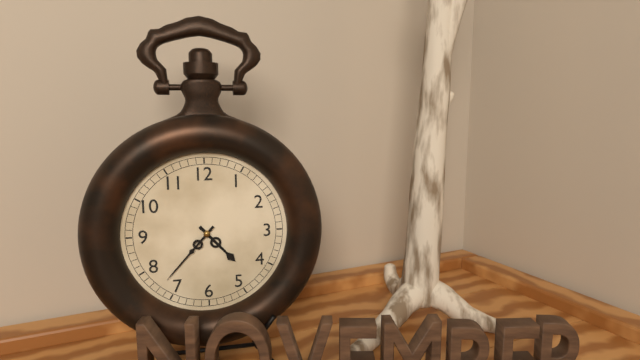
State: h=4 m=37
